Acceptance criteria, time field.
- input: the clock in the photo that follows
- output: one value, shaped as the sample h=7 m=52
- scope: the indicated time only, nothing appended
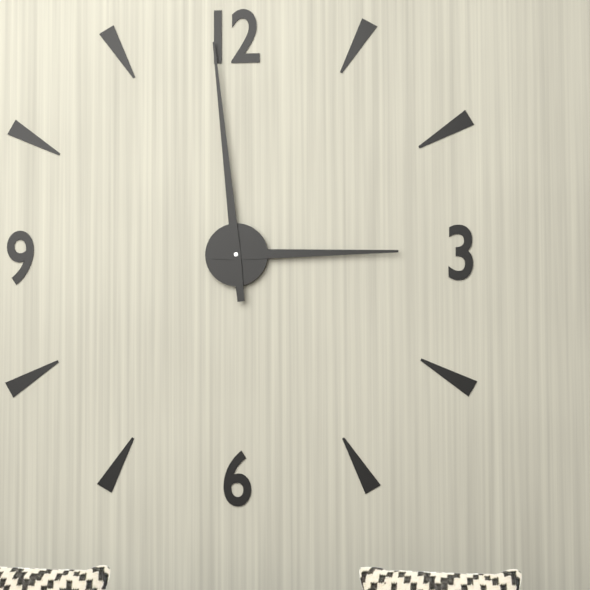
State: h=2 m=59
